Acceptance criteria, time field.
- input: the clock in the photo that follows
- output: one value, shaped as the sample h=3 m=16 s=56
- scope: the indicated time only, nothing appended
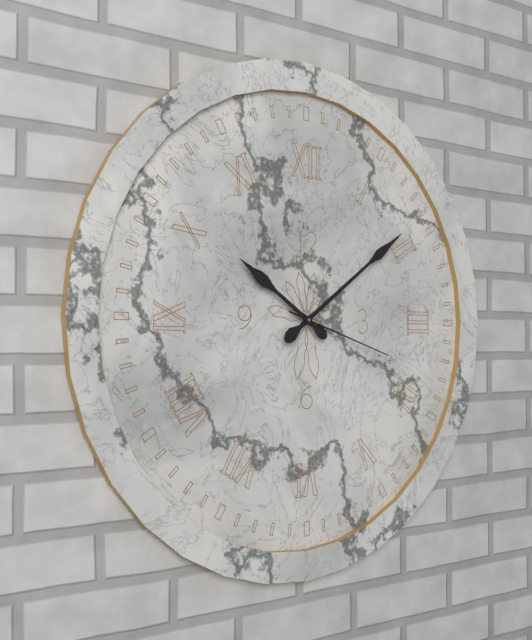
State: h=10 m=9 s=18
